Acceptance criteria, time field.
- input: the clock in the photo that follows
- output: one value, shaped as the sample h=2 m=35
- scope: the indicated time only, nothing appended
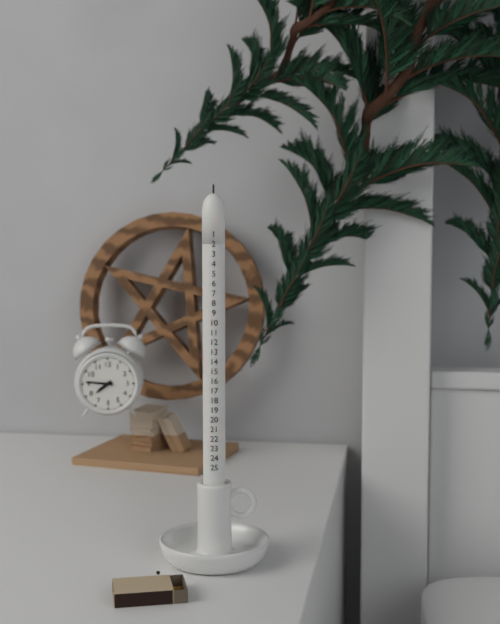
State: h=7 m=46
